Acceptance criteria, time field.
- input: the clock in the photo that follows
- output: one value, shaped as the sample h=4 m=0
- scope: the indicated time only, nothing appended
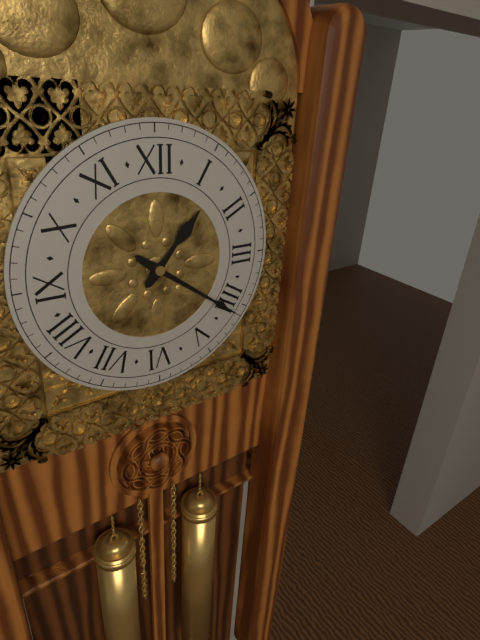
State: h=1 m=21
